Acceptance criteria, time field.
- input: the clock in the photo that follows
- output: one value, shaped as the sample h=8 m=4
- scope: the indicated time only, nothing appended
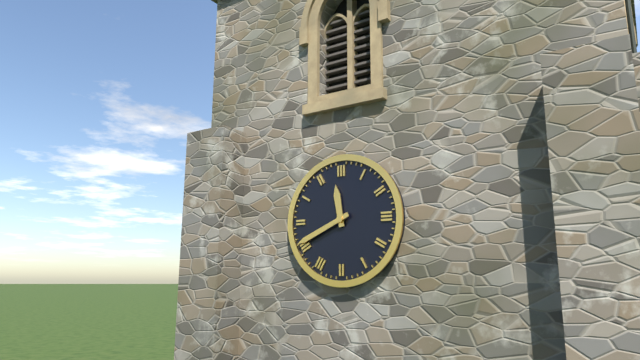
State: h=11 m=41
